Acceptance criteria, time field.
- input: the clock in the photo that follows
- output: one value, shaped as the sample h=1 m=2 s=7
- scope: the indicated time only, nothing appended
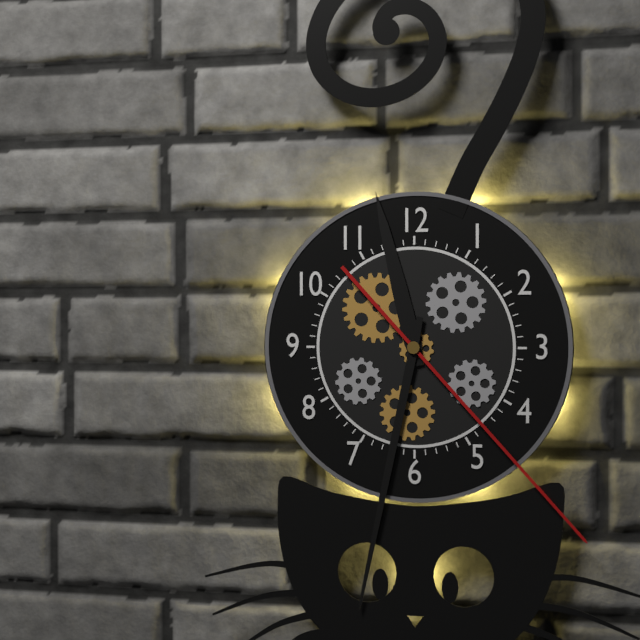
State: h=11 m=32 s=23
